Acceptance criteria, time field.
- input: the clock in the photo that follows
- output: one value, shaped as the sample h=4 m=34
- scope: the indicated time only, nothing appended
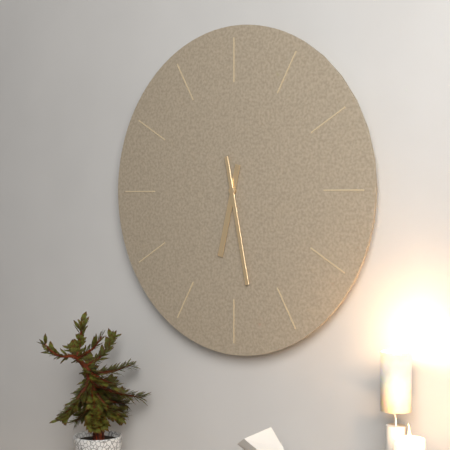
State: h=6 m=28
